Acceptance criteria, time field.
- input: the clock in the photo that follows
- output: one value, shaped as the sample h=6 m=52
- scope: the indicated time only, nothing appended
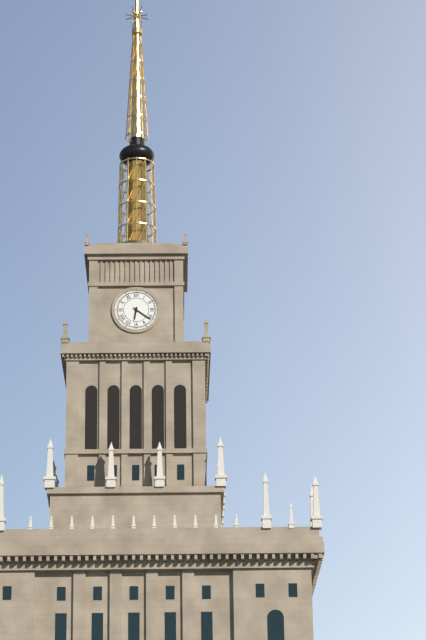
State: h=6 m=21
